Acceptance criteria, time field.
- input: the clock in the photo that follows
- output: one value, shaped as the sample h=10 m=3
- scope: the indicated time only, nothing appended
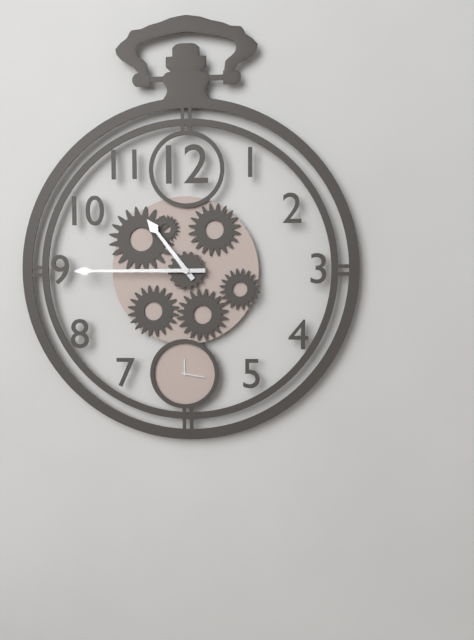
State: h=10 m=45
